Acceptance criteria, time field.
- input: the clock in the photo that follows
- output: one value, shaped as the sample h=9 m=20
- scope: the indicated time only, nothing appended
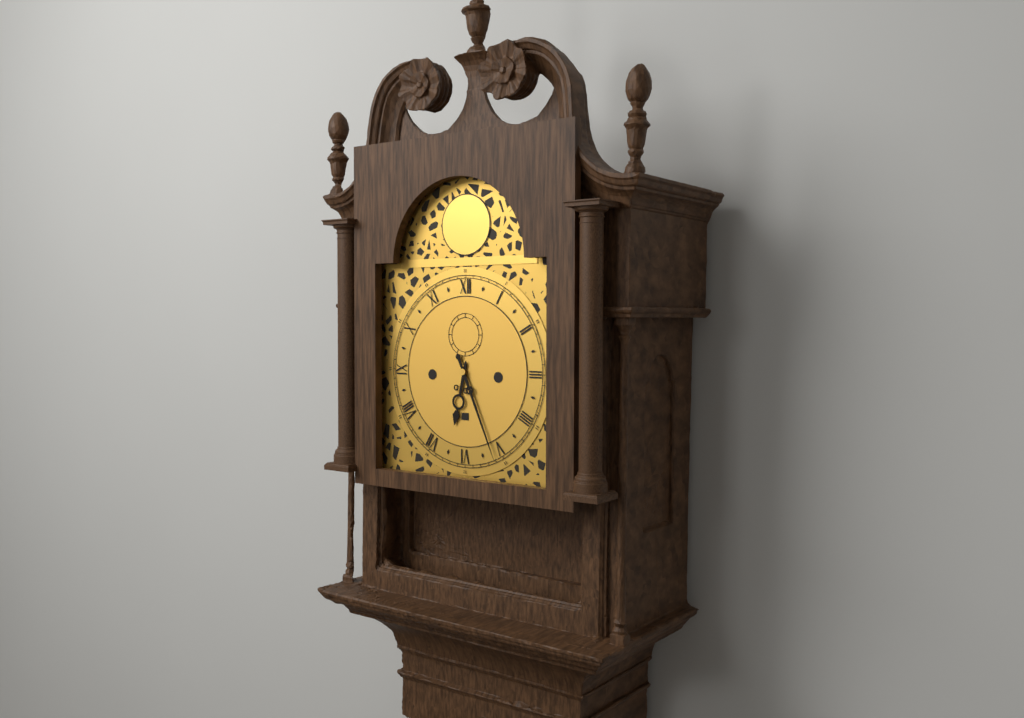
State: h=6 m=26
